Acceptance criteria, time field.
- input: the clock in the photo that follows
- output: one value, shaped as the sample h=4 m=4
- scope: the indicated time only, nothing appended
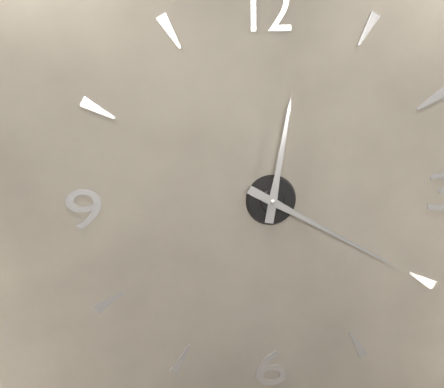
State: h=12 m=20
